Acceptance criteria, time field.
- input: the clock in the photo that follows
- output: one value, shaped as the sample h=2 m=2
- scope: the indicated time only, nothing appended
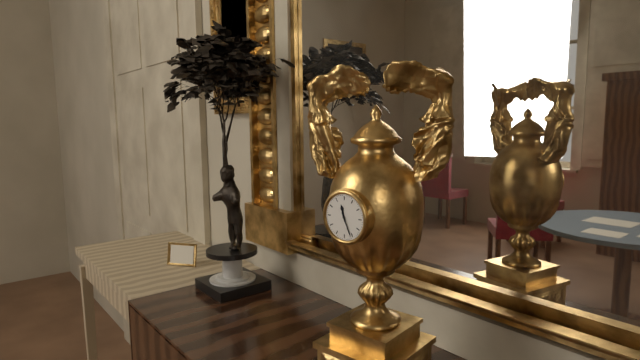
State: h=11 m=26
